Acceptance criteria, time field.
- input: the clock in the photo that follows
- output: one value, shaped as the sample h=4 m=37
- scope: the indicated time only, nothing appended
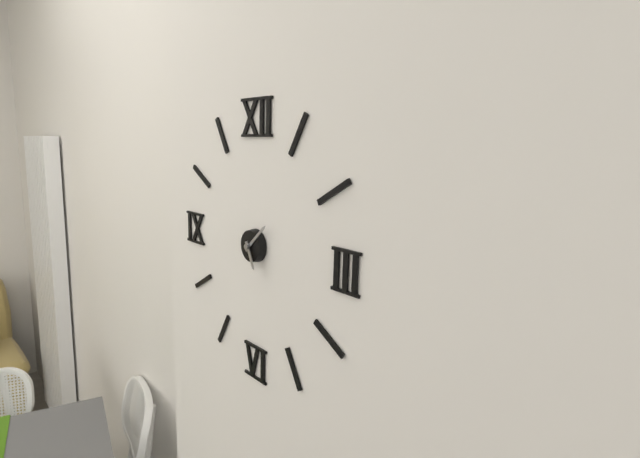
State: h=5 m=8
